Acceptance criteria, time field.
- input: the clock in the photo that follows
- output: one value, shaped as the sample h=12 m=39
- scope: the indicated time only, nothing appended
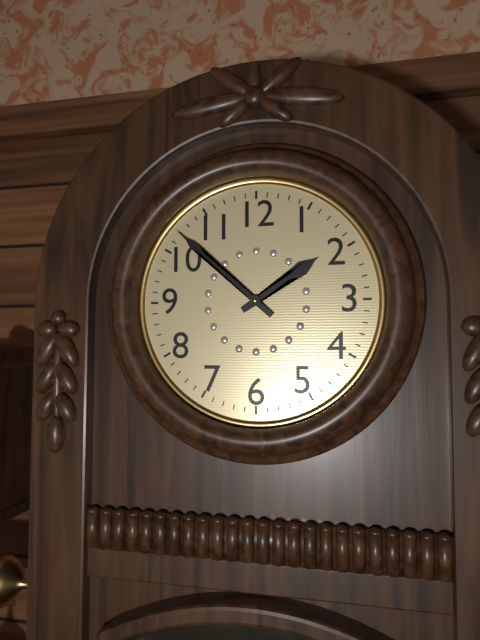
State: h=1 m=52
